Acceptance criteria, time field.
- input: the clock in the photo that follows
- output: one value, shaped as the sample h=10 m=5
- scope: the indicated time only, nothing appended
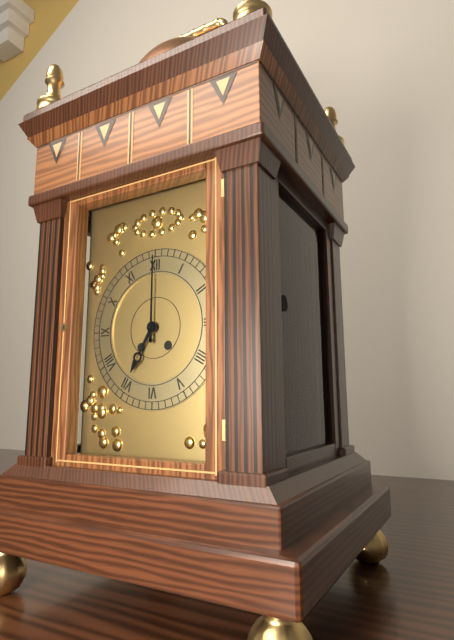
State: h=7 m=0
